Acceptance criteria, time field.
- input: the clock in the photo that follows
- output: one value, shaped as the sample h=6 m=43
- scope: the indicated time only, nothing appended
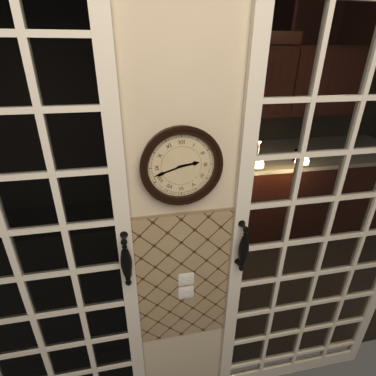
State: h=2 m=42
